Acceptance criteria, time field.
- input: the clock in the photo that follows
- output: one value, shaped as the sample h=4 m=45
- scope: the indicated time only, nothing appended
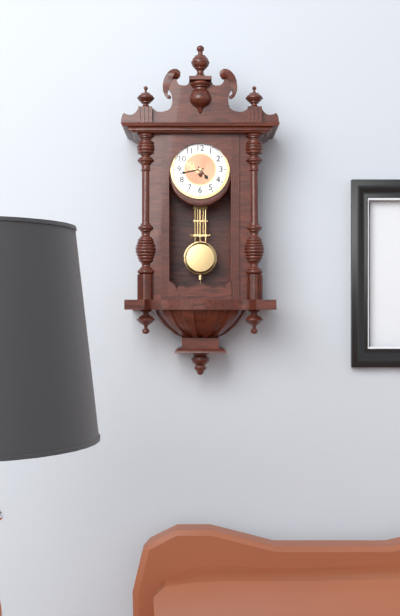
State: h=4 m=43
